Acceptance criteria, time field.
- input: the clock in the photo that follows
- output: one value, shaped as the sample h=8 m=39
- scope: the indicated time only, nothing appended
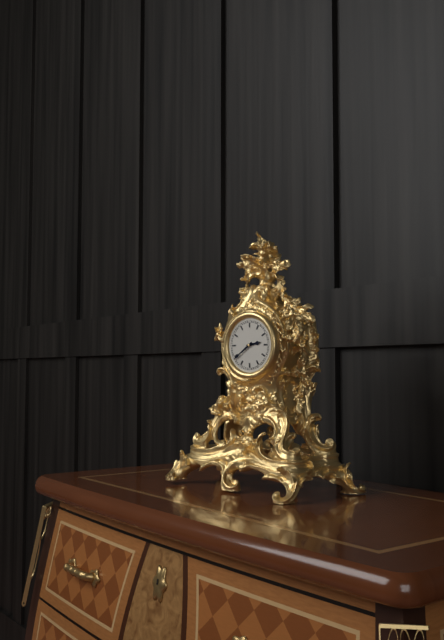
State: h=2 m=39
